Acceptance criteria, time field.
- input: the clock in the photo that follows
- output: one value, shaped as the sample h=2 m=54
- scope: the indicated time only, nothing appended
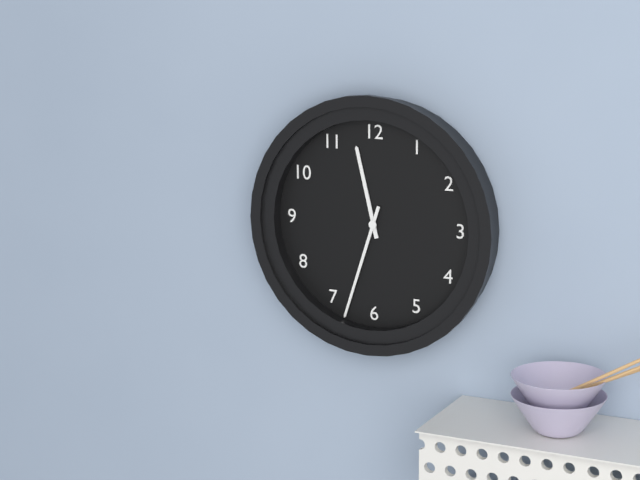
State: h=11 m=33
